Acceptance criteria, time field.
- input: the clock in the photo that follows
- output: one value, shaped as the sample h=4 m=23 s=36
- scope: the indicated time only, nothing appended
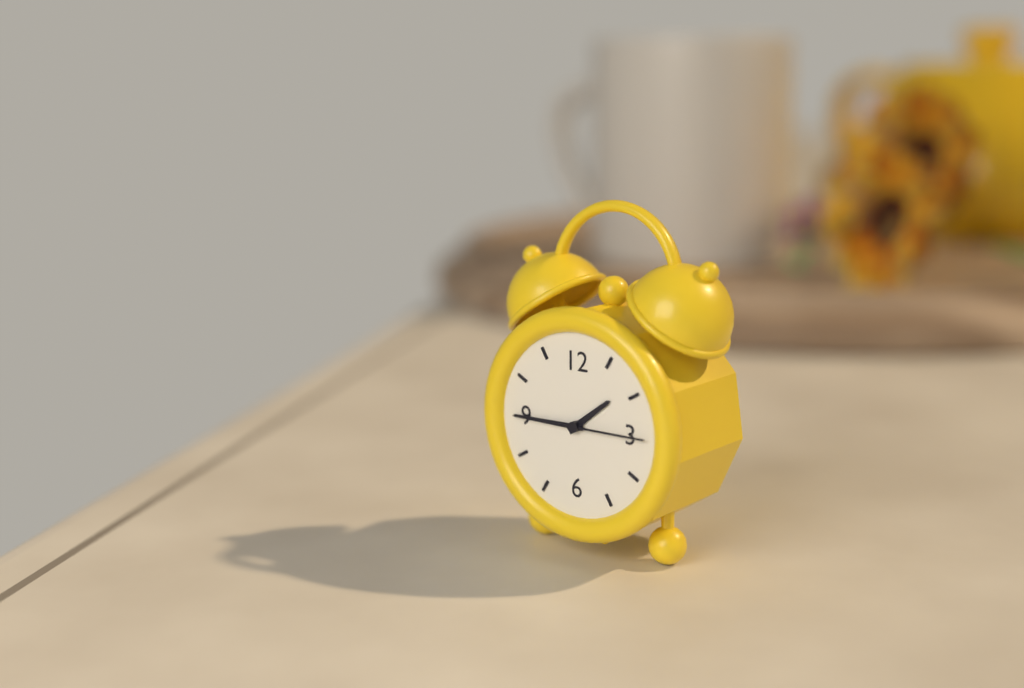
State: h=1 m=45 s=15
